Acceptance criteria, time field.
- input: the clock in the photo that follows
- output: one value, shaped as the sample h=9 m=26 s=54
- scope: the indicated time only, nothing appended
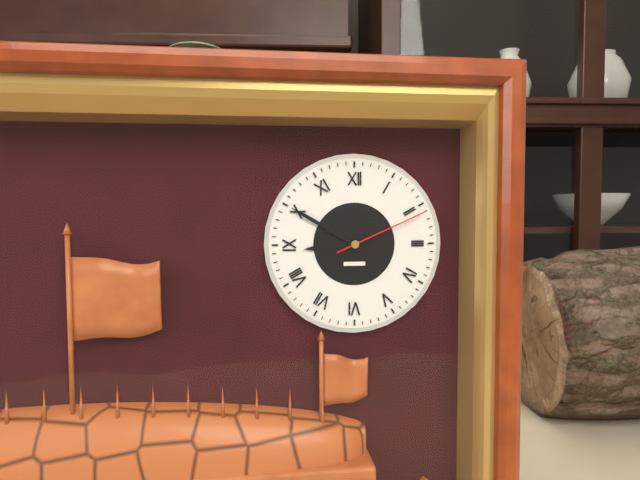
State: h=8 m=50 s=11
